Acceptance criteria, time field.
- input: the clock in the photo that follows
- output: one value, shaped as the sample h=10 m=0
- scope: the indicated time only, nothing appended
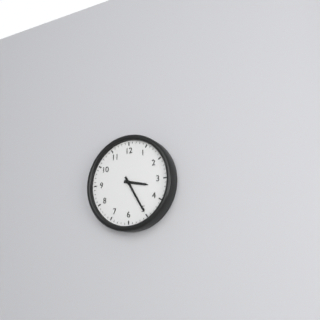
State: h=3 m=25
